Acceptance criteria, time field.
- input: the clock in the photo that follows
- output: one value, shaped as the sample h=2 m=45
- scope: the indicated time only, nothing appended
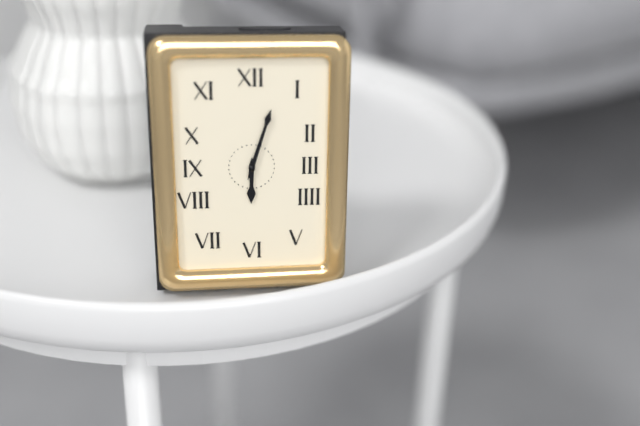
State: h=6 m=3
